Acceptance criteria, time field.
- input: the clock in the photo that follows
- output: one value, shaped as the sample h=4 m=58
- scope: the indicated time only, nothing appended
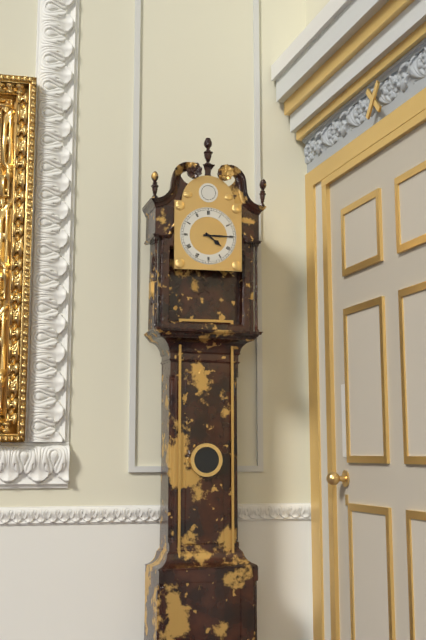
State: h=4 m=15
